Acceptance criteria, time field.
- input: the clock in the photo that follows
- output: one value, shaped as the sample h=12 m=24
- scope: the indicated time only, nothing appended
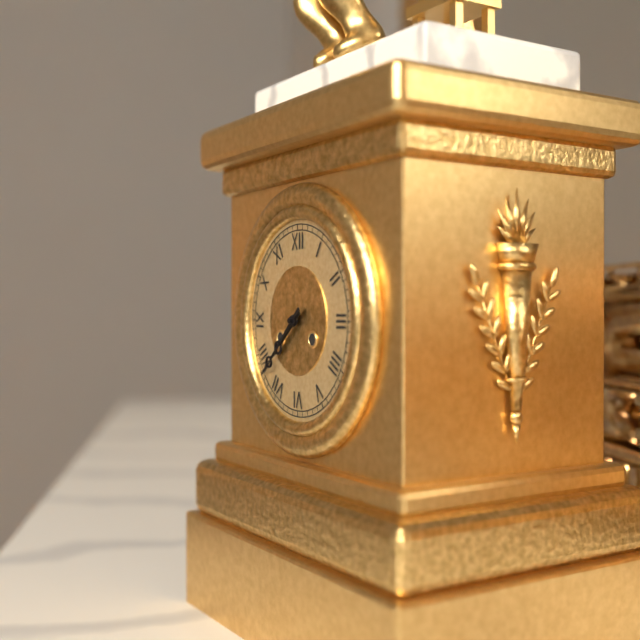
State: h=7 m=38
